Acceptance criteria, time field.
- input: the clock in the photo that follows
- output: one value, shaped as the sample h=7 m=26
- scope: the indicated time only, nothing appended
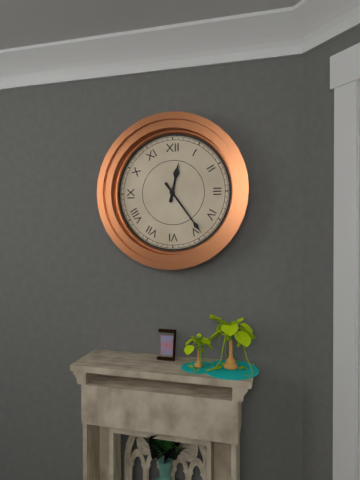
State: h=12 m=24
